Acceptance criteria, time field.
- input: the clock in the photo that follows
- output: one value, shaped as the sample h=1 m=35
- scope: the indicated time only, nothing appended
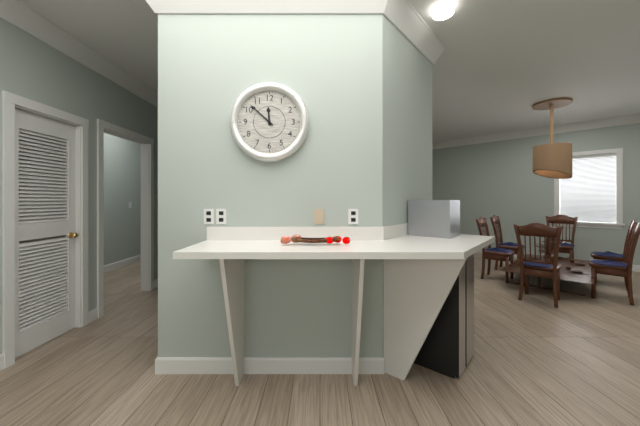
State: h=11 m=52
